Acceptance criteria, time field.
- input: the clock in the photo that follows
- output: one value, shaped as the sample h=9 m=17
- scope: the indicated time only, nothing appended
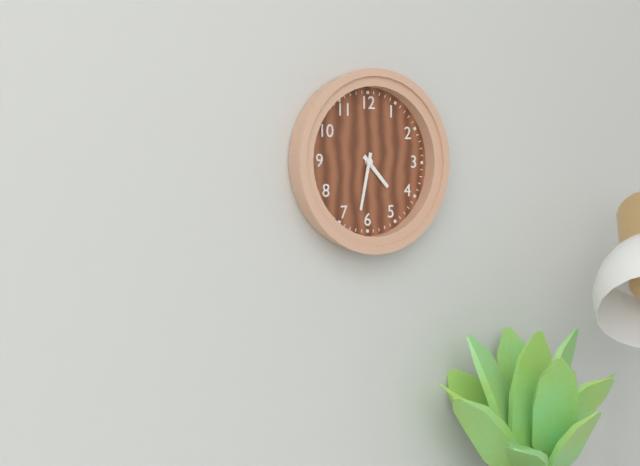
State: h=4 m=32
